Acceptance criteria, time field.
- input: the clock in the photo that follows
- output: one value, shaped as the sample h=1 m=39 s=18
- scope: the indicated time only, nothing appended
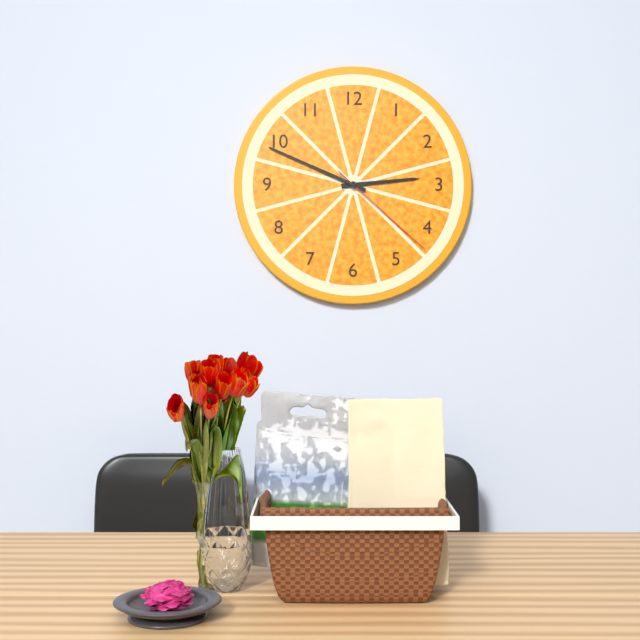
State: h=2 m=49 s=22
